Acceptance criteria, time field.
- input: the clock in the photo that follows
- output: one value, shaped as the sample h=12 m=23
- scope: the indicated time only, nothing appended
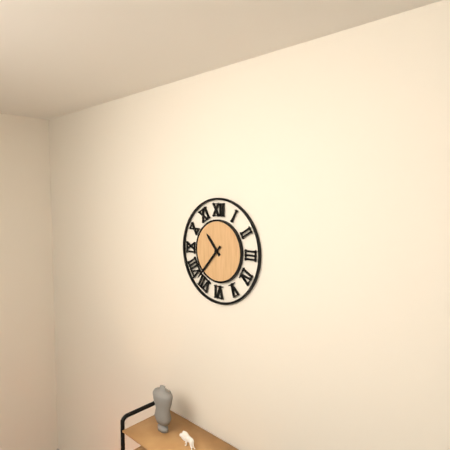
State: h=10 m=37
